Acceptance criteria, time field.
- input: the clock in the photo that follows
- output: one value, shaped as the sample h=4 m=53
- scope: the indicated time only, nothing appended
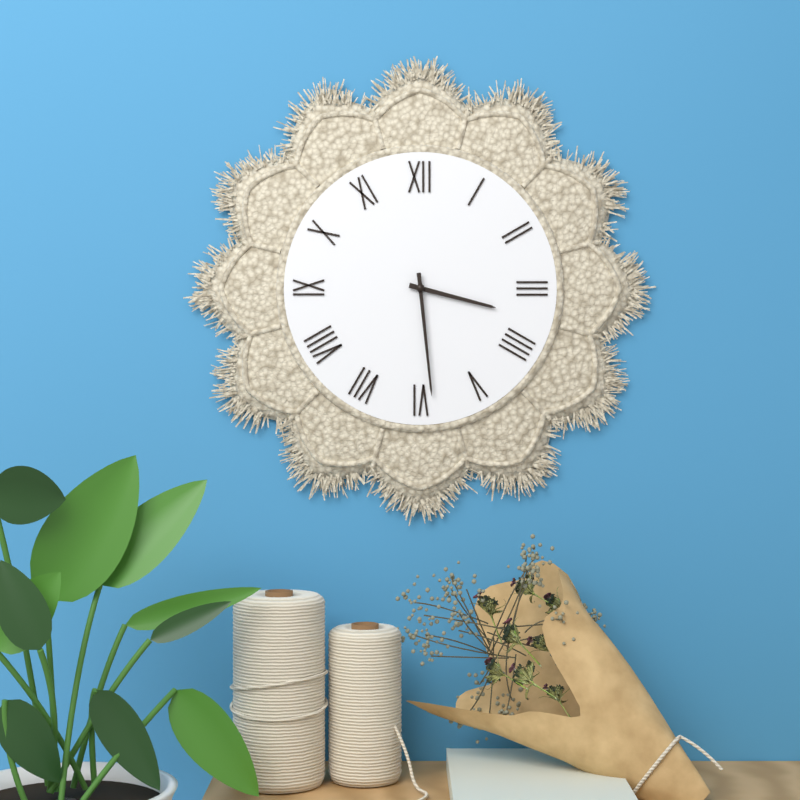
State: h=3 m=29
